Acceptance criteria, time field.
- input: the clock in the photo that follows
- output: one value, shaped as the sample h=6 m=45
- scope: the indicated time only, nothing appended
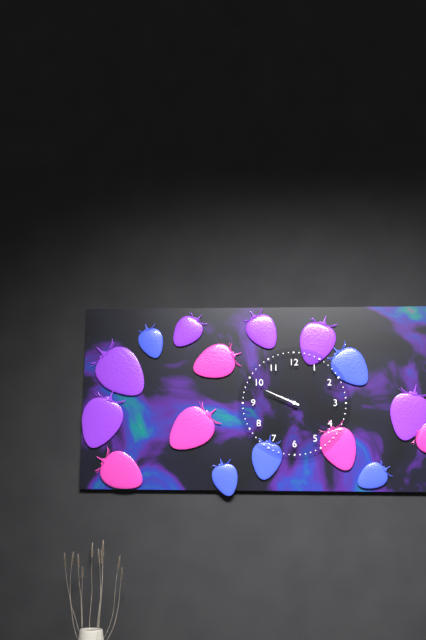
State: h=9 m=49
